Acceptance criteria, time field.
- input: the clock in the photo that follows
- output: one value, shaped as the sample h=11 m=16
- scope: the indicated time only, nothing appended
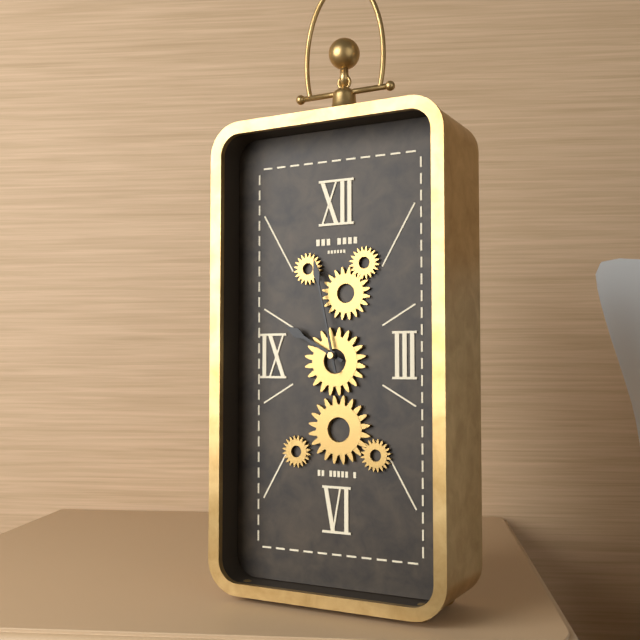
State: h=9 m=58
